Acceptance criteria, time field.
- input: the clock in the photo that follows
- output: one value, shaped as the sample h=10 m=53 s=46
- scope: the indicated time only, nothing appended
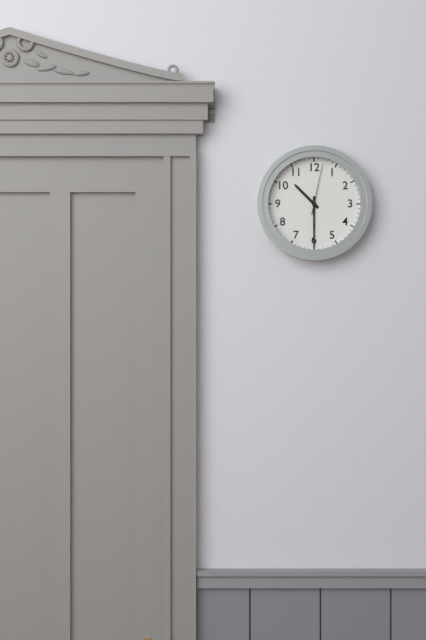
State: h=10 m=30 s=2
